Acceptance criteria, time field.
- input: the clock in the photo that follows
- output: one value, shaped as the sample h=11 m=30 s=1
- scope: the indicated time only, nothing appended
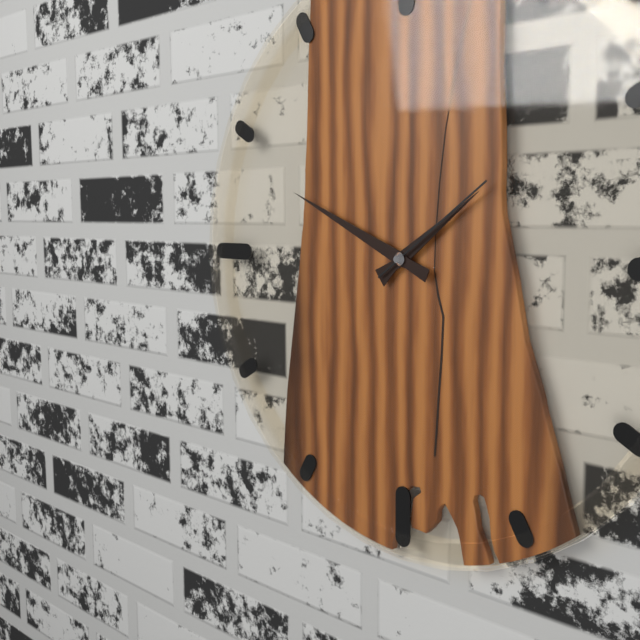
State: h=1 m=49 s=9
